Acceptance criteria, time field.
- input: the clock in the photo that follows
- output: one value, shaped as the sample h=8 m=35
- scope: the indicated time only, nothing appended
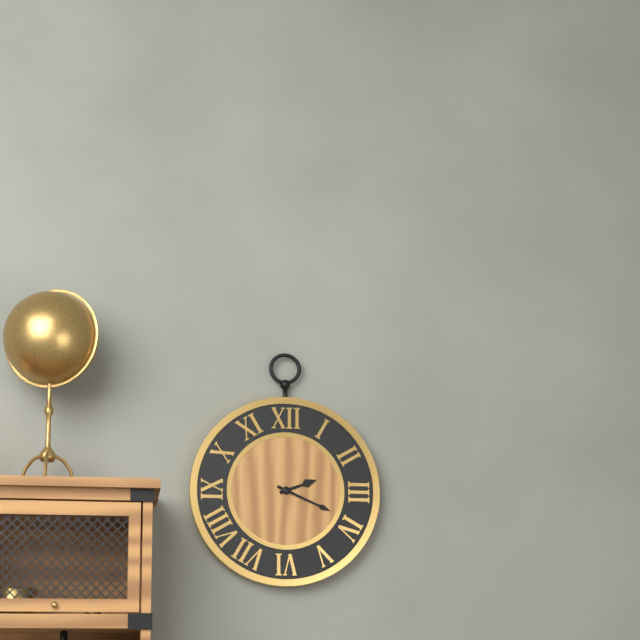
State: h=2 m=19
